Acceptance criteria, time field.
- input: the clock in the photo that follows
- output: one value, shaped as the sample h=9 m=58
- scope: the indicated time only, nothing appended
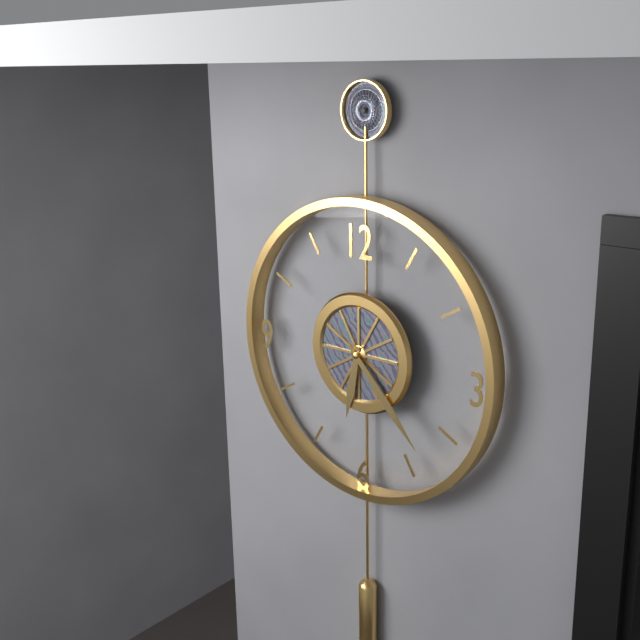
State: h=6 m=23
